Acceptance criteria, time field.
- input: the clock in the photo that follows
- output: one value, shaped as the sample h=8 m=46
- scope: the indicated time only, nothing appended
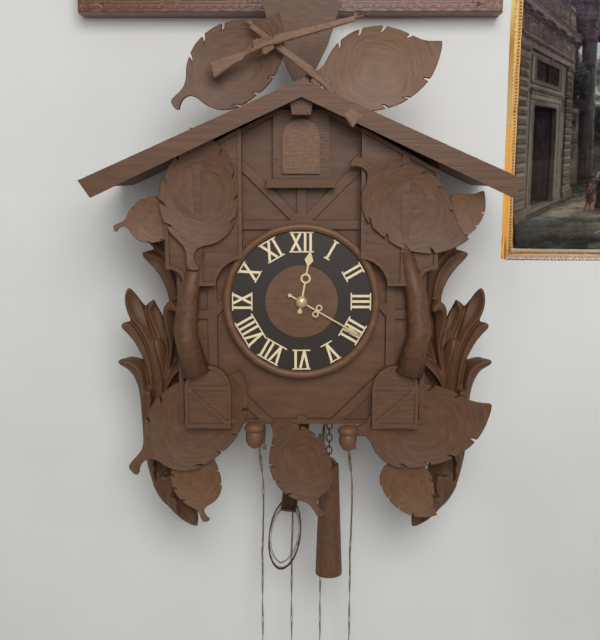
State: h=12 m=20
